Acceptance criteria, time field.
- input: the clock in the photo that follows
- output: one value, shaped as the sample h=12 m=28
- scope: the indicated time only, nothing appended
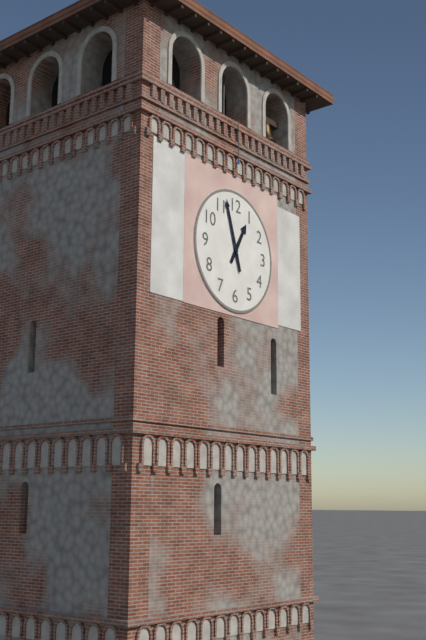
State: h=12 m=57
